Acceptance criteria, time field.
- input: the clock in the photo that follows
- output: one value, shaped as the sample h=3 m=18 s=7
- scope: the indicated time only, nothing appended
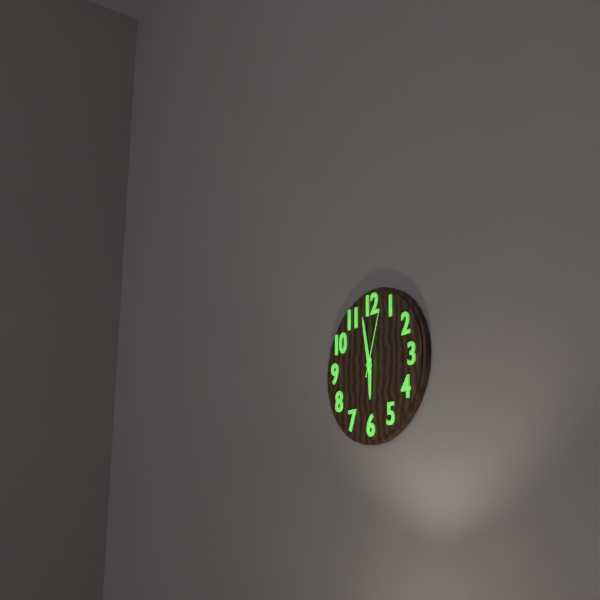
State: h=5 m=58 s=3
